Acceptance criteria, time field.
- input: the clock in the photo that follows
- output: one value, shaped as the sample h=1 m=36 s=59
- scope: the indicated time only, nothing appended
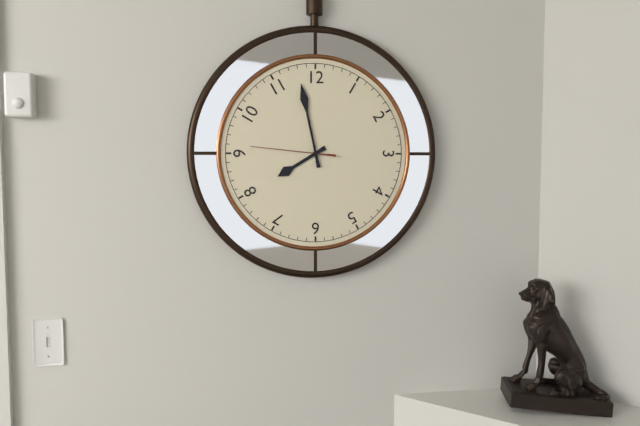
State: h=7 m=58 s=46
